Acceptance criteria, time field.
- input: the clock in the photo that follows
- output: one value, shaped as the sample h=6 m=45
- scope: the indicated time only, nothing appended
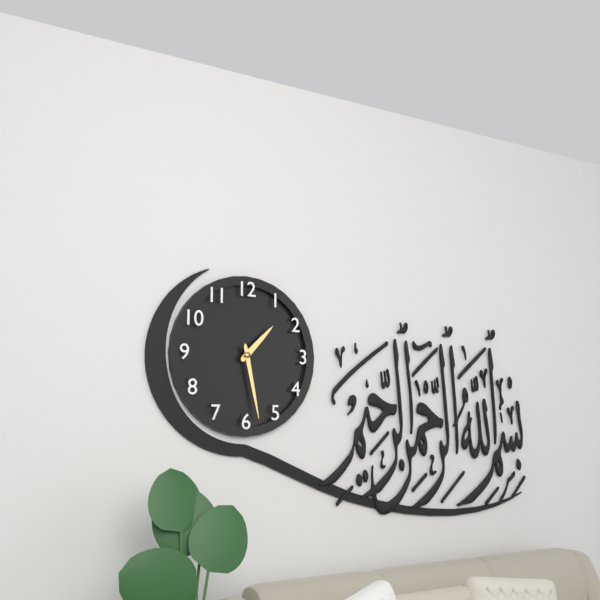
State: h=1 m=28
